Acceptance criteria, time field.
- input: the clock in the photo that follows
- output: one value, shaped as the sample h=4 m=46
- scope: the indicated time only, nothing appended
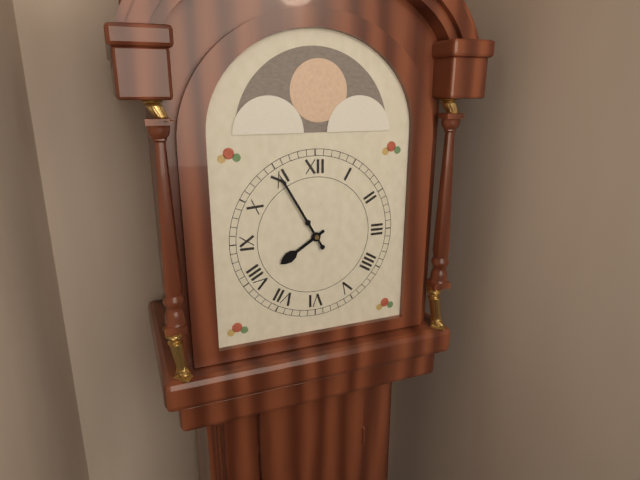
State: h=7 m=55
